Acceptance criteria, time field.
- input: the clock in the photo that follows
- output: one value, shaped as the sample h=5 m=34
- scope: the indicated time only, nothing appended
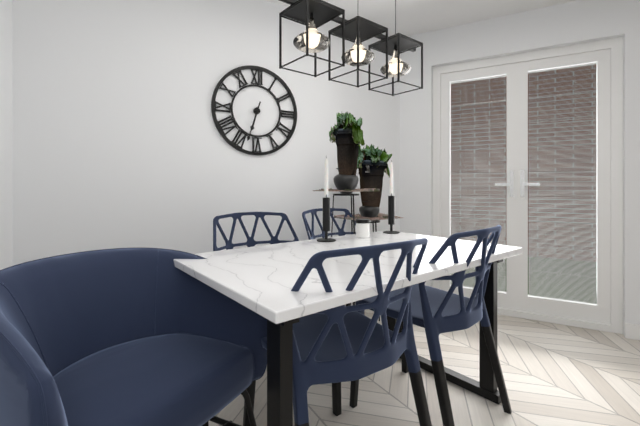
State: h=6 m=33
